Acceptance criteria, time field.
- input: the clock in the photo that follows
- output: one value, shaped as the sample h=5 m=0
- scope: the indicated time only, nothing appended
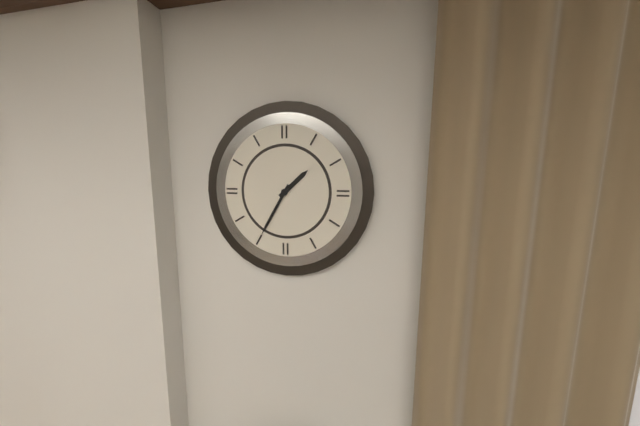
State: h=1 m=35
